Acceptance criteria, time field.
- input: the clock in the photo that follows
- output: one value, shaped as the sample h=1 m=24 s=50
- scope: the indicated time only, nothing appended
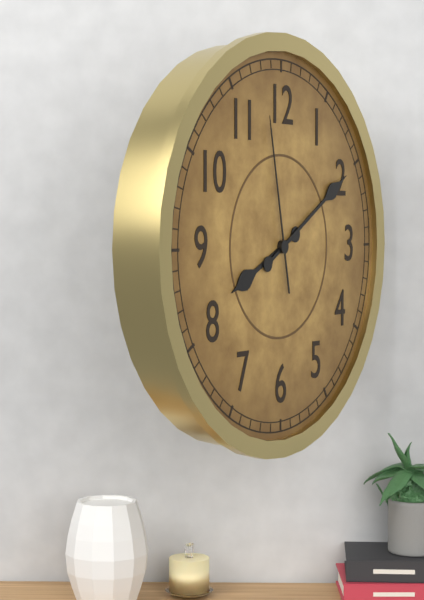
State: h=8 m=10 s=58
